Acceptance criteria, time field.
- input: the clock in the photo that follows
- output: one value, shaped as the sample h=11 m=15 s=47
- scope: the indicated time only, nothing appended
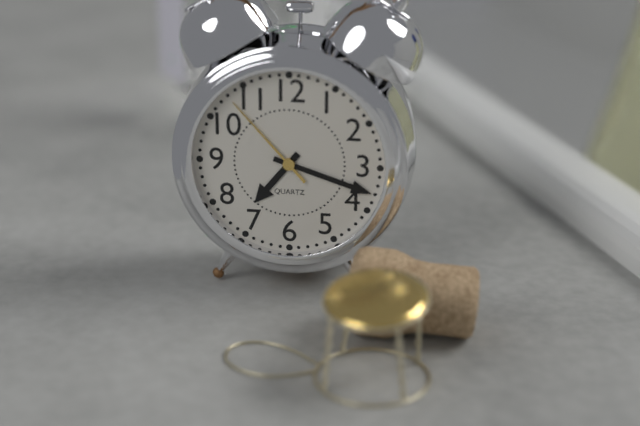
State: h=7 m=18 s=53
